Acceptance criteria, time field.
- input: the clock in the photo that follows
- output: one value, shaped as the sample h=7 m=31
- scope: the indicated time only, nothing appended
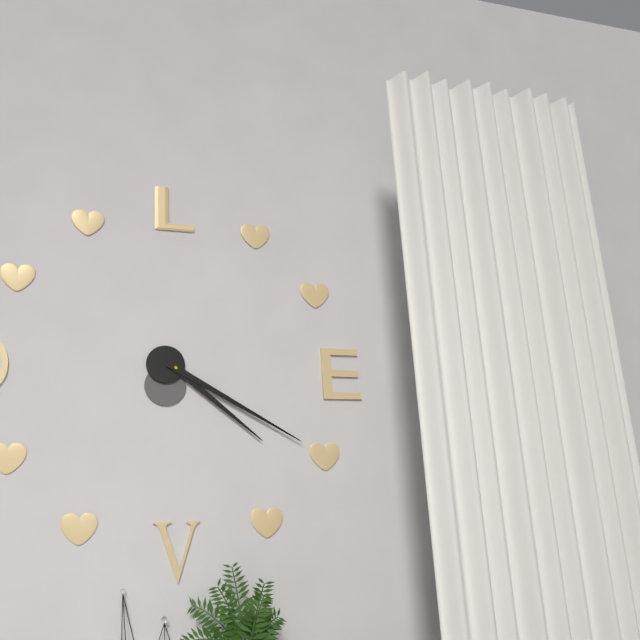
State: h=4 m=20
